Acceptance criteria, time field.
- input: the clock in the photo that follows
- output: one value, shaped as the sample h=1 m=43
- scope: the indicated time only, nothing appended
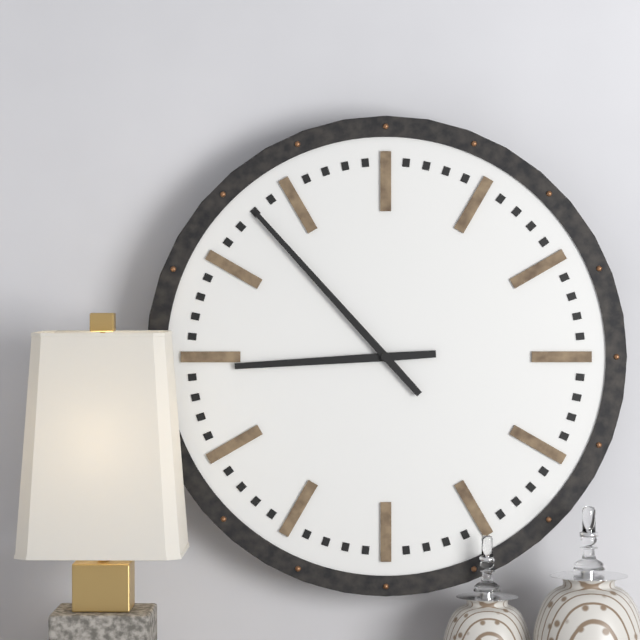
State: h=8 m=53
